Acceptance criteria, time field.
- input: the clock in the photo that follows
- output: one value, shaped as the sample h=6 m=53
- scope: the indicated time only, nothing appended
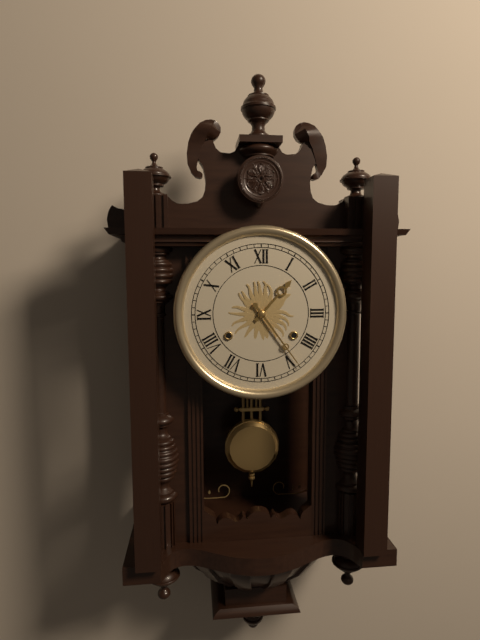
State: h=1 m=24
